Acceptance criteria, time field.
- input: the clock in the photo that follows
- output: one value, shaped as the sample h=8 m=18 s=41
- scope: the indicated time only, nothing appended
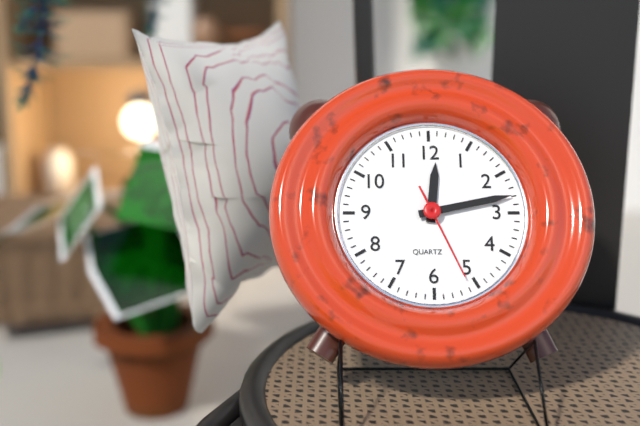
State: h=12 m=13 s=26
